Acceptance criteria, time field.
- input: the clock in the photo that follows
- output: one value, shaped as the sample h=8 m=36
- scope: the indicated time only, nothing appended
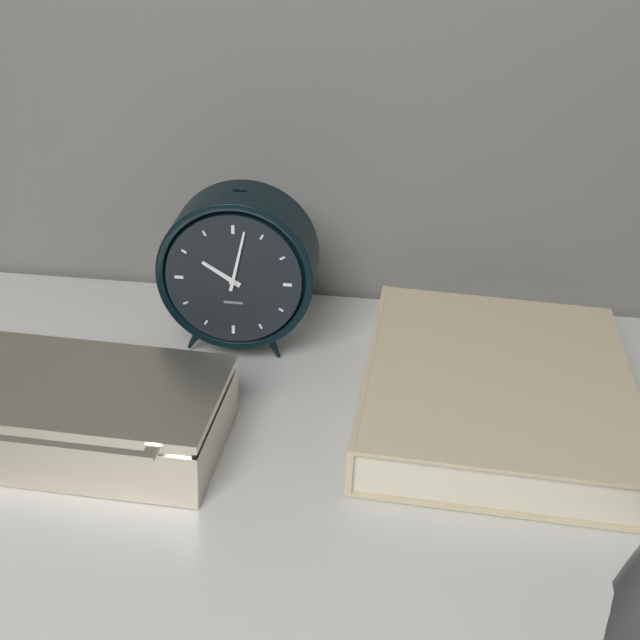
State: h=10 m=2
